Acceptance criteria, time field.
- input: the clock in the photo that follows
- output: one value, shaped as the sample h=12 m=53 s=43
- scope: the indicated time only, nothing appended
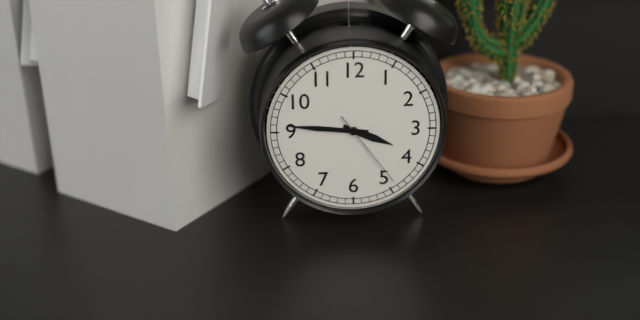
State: h=3 m=46 s=24
